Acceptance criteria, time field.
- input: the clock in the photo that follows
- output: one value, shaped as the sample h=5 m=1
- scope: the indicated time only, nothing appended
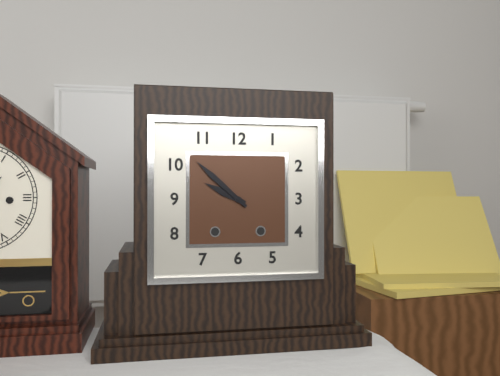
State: h=9 m=52
